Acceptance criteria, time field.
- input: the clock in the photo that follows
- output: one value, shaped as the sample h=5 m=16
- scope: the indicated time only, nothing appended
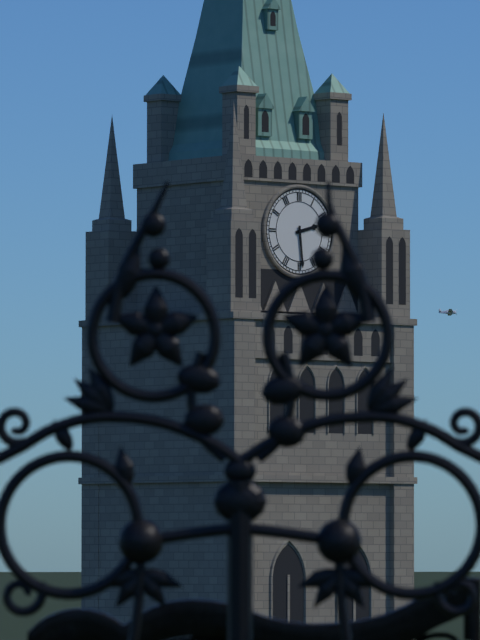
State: h=2 m=29
